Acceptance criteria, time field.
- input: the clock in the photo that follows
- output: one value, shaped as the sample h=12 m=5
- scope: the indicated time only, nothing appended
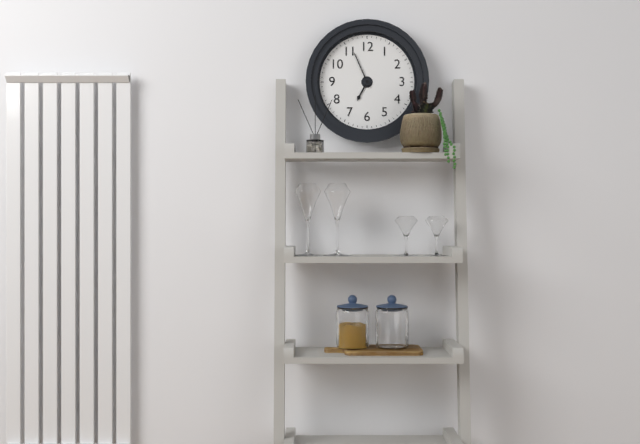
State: h=6 m=56
